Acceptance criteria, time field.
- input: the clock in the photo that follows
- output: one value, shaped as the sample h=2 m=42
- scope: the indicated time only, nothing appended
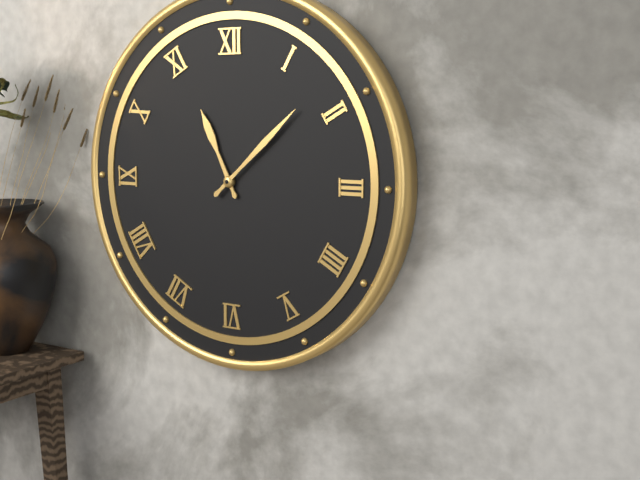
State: h=11 m=8
